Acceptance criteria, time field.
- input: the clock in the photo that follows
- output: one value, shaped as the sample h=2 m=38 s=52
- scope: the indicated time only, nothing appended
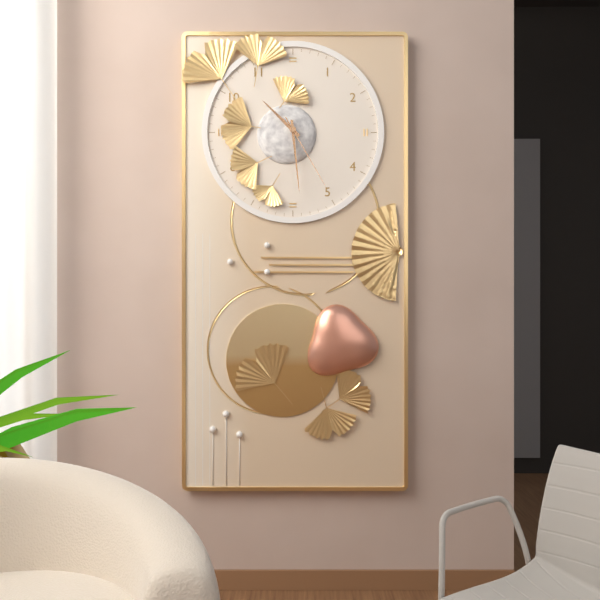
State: h=10 m=29 s=25
